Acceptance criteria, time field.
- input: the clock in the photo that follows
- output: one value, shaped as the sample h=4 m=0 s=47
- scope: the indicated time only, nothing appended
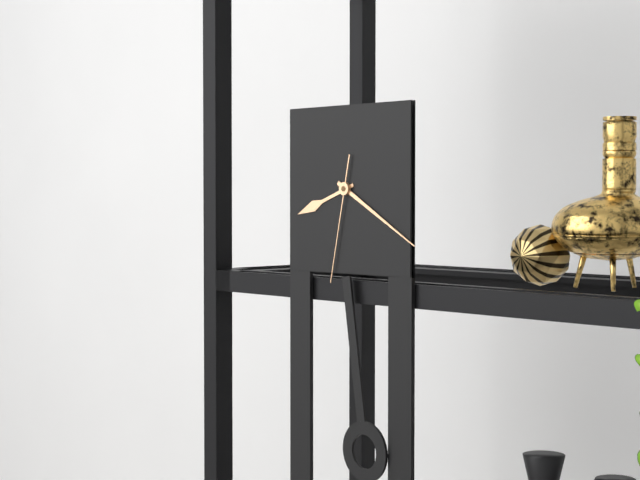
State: h=8 m=20 s=32
